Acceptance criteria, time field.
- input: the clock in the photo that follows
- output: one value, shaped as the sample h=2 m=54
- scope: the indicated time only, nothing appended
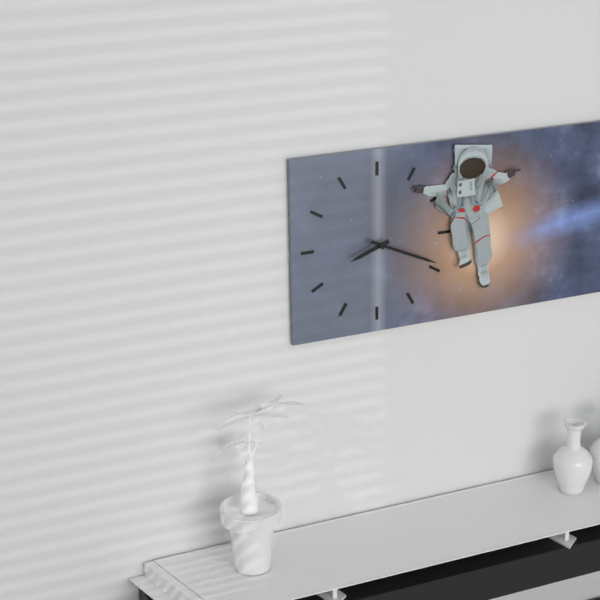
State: h=8 m=19
